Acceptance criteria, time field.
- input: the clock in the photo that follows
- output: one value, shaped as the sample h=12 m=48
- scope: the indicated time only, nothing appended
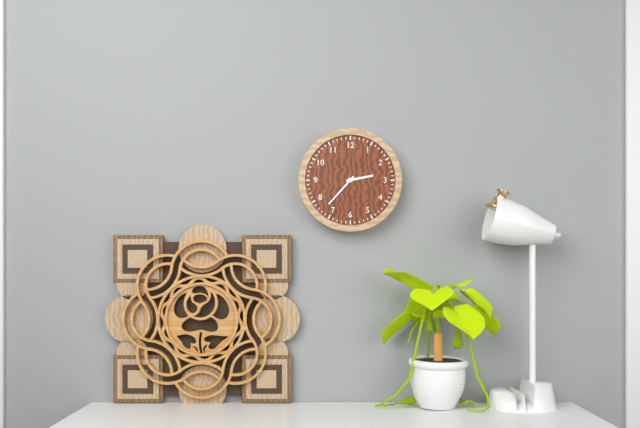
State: h=2 m=37
